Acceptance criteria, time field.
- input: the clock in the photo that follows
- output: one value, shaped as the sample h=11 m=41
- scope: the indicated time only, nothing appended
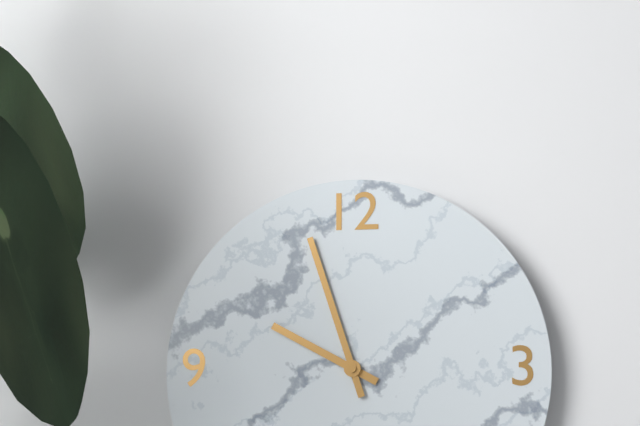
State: h=9 m=57
